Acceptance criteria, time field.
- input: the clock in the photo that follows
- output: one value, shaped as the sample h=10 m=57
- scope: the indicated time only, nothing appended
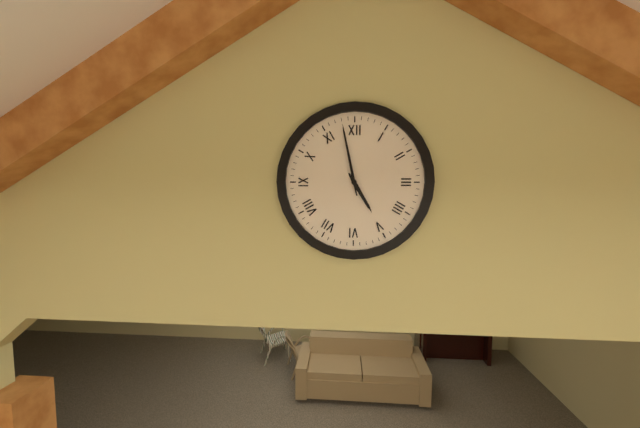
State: h=4 m=58
